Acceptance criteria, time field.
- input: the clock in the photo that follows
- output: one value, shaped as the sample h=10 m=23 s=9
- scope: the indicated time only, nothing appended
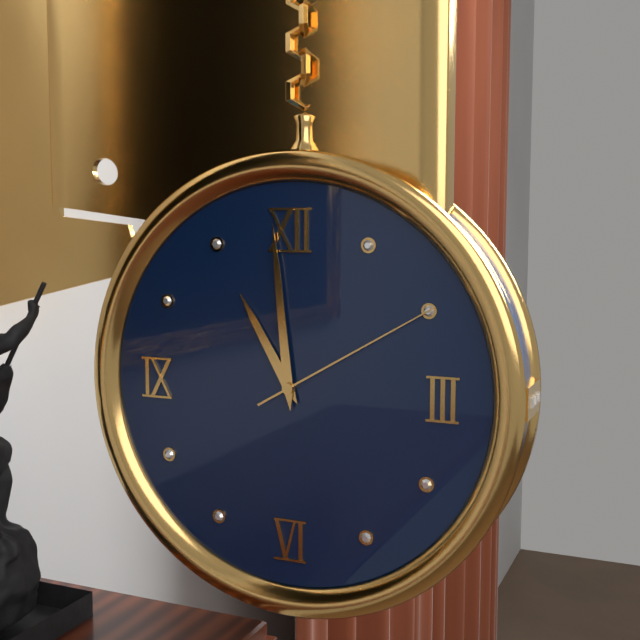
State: h=10 m=59 s=10
